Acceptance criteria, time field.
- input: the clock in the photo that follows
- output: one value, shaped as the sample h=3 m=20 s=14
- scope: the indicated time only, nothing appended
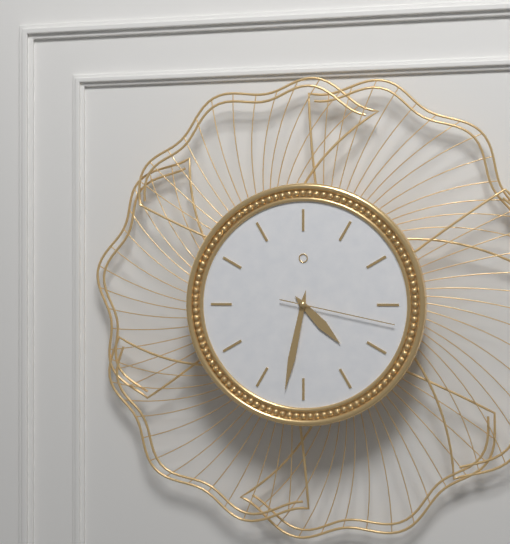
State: h=4 m=32 s=17
